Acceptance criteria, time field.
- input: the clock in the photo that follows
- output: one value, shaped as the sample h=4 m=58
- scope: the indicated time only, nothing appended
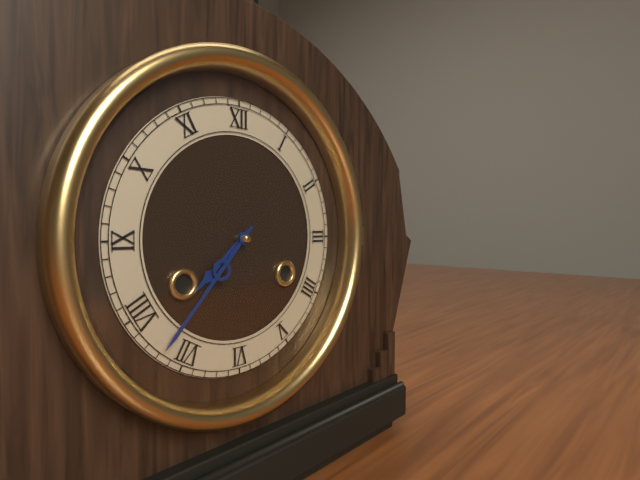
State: h=7 m=37
